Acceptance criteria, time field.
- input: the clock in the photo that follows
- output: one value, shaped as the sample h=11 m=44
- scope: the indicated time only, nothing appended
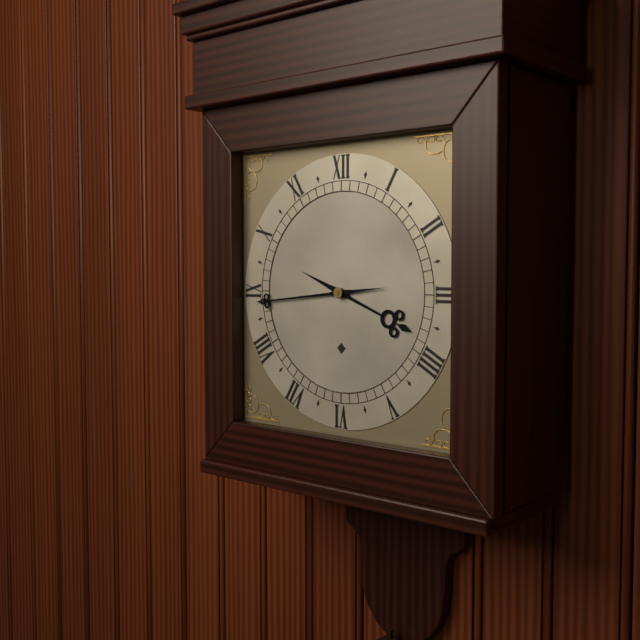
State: h=3 m=44
